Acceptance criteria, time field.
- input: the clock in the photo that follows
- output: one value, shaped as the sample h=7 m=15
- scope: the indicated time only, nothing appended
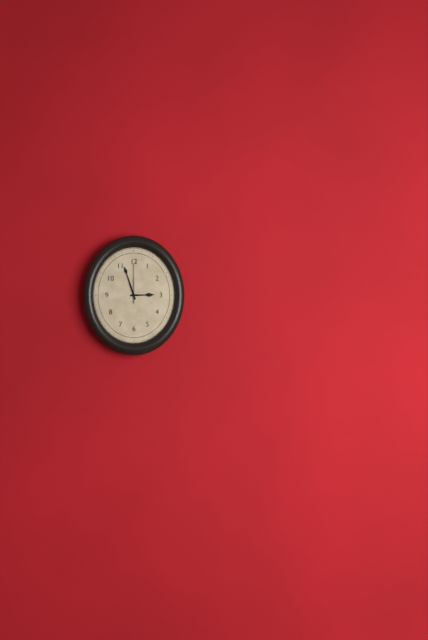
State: h=2 m=57
